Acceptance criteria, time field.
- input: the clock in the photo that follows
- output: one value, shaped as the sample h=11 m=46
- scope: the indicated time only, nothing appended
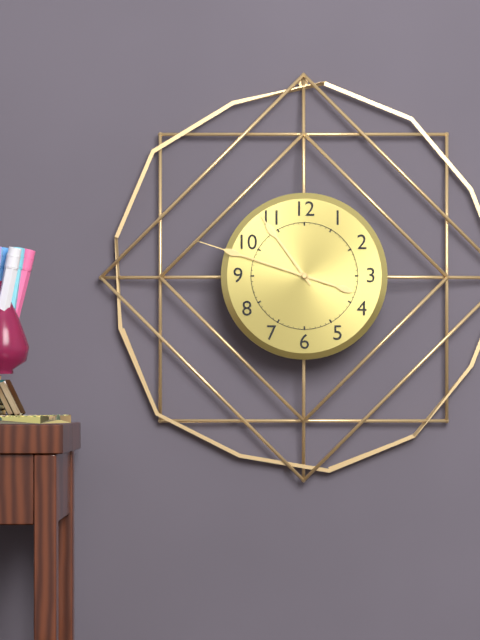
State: h=10 m=48
